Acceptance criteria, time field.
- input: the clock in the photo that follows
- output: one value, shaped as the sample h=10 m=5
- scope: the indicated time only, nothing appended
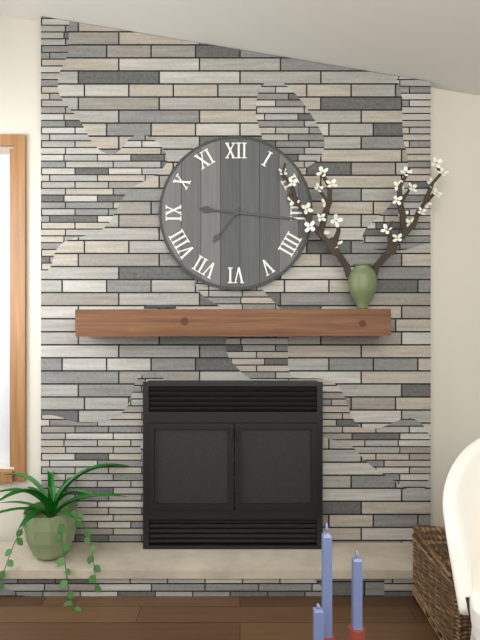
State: h=7 m=16
